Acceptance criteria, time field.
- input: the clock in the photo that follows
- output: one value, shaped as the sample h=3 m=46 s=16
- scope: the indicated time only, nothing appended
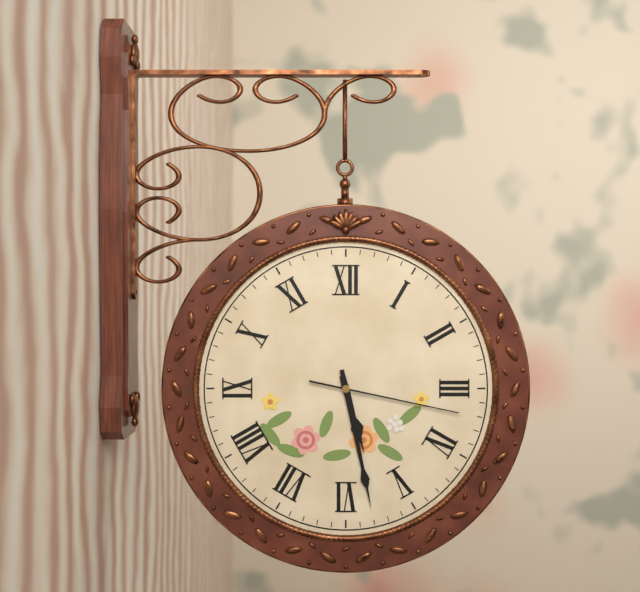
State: h=5 m=28 s=17
